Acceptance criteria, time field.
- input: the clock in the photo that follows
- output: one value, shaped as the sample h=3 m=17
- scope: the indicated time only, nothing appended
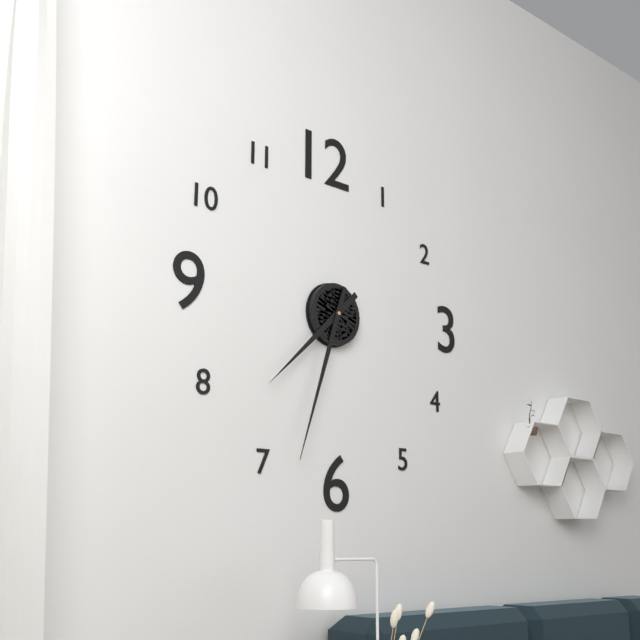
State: h=7 m=33
